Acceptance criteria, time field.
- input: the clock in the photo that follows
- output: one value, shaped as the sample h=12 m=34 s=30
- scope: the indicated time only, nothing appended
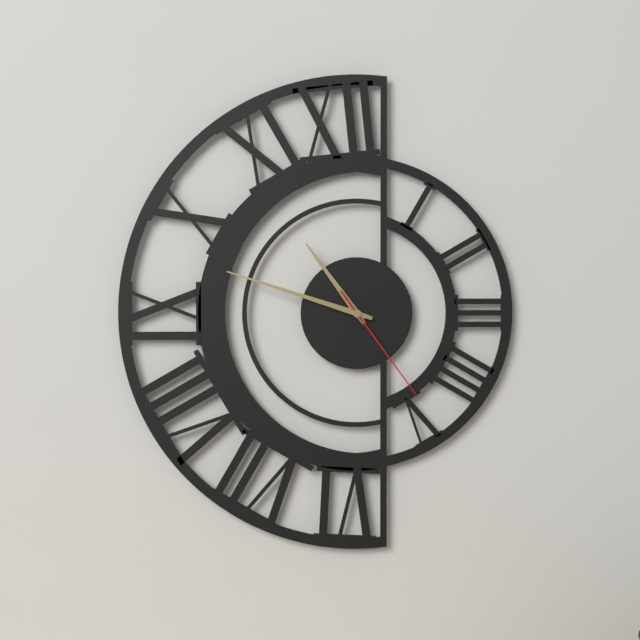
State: h=10 m=48 s=24
